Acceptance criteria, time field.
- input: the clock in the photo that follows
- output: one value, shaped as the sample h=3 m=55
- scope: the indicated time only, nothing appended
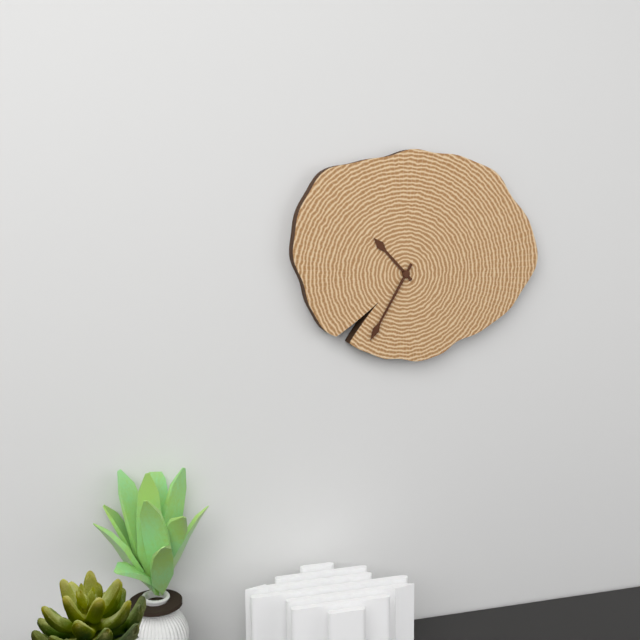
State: h=10 m=35
